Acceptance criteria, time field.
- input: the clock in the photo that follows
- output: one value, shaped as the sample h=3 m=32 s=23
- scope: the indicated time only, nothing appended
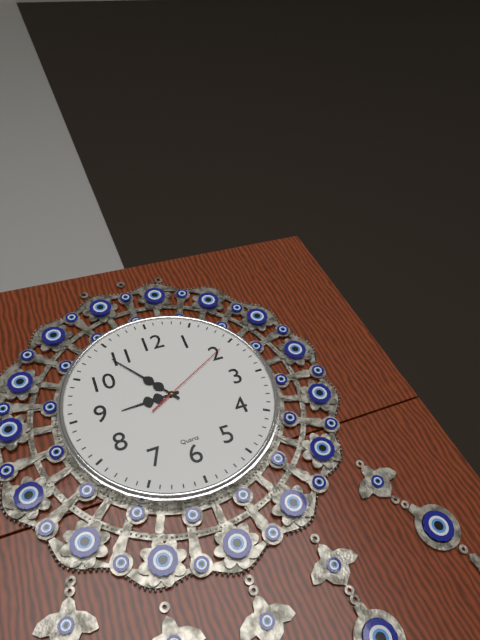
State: h=8 m=54 s=10
